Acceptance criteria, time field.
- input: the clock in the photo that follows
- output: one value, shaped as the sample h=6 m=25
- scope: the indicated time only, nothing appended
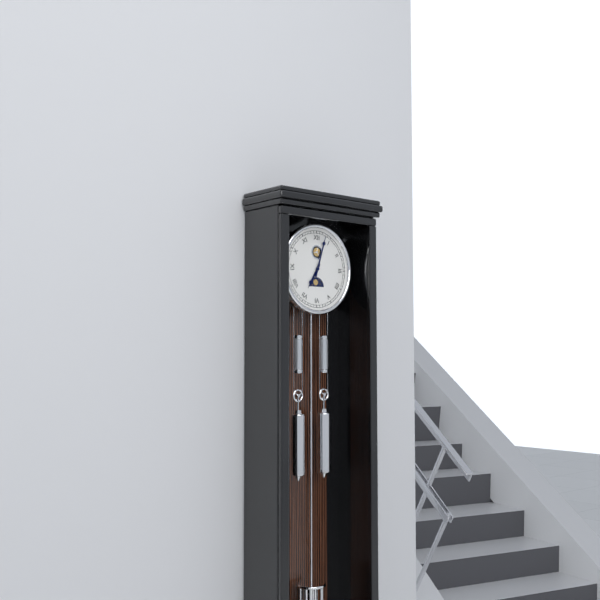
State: h=7 m=3
